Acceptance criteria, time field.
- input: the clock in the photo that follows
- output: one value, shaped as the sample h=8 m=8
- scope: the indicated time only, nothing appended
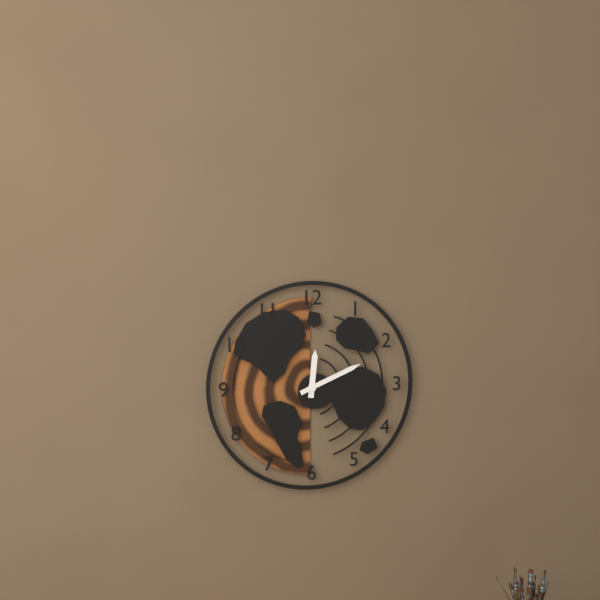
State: h=12 m=11
